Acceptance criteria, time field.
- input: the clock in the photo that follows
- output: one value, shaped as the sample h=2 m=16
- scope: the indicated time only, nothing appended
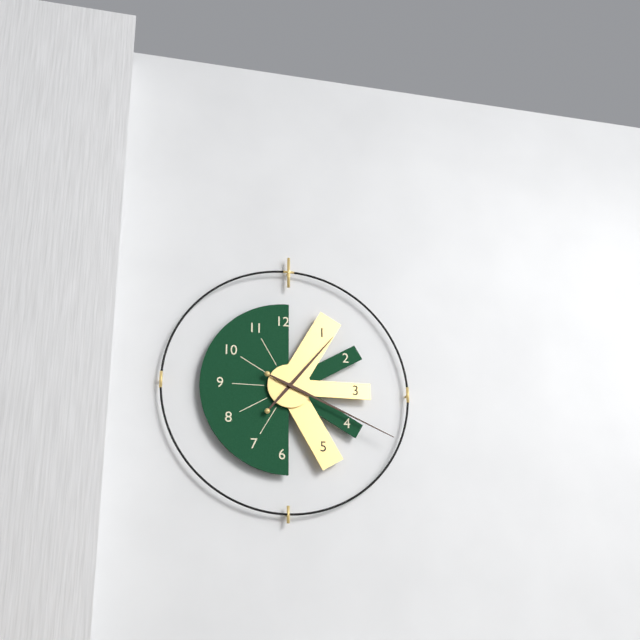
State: h=1 m=19
